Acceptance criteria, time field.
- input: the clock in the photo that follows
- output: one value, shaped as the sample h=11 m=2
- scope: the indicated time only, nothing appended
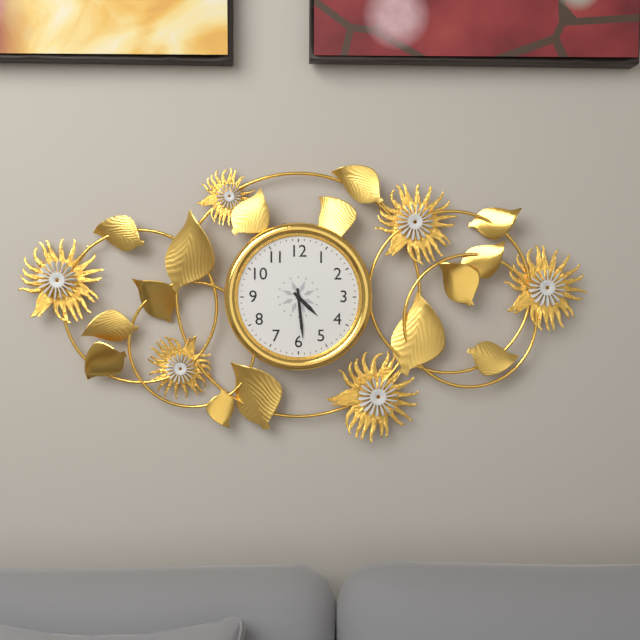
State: h=4 m=29
